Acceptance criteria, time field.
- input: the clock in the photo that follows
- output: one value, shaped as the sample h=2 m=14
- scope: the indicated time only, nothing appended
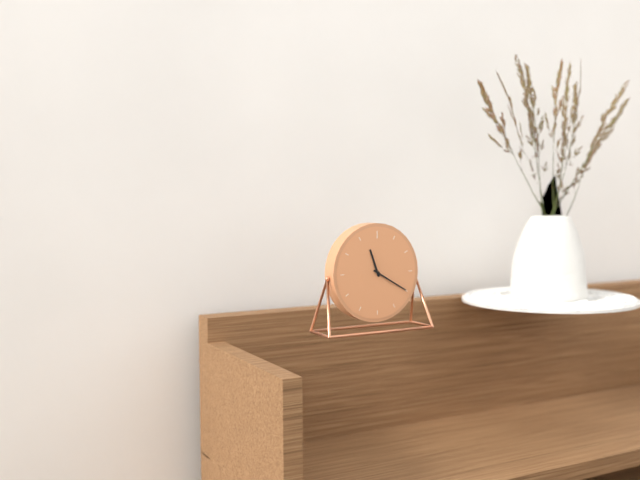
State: h=11 m=20
